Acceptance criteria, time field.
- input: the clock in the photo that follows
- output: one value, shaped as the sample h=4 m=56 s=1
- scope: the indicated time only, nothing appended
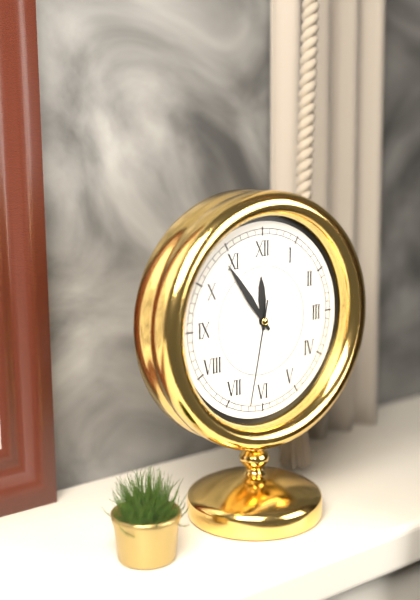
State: h=11 m=54 s=32
